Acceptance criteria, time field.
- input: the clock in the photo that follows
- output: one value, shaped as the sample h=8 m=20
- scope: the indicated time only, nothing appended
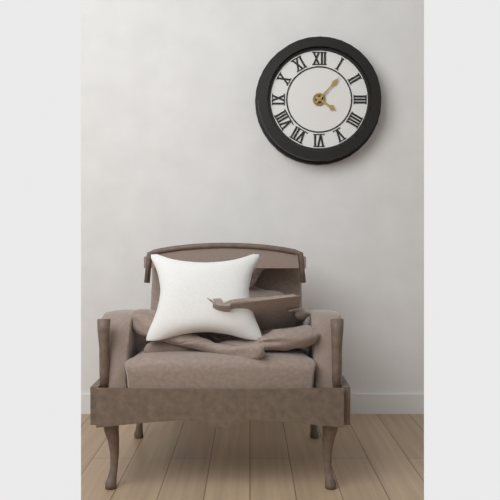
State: h=4 m=7
